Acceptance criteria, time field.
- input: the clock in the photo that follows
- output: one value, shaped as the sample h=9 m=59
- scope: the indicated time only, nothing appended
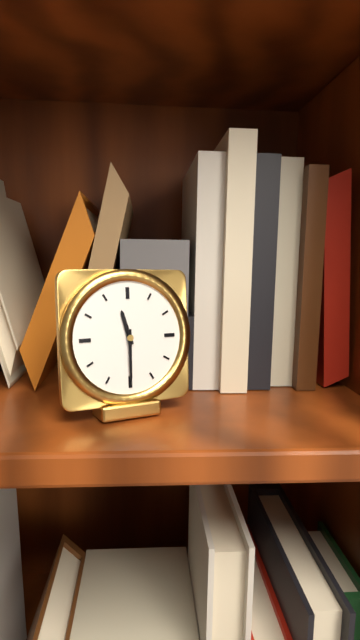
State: h=11 m=30
